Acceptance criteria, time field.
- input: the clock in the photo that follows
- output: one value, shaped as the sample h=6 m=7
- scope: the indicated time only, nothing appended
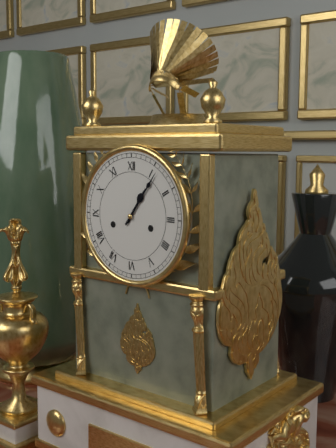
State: h=1 m=6
